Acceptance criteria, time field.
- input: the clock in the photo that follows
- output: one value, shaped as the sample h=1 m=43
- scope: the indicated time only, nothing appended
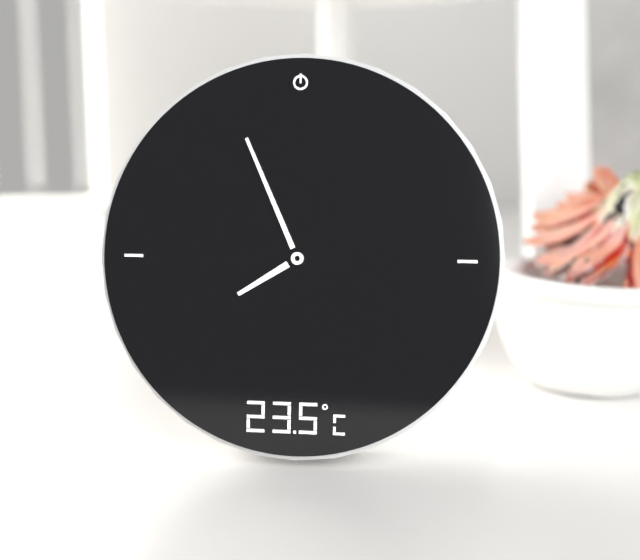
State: h=7 m=56
